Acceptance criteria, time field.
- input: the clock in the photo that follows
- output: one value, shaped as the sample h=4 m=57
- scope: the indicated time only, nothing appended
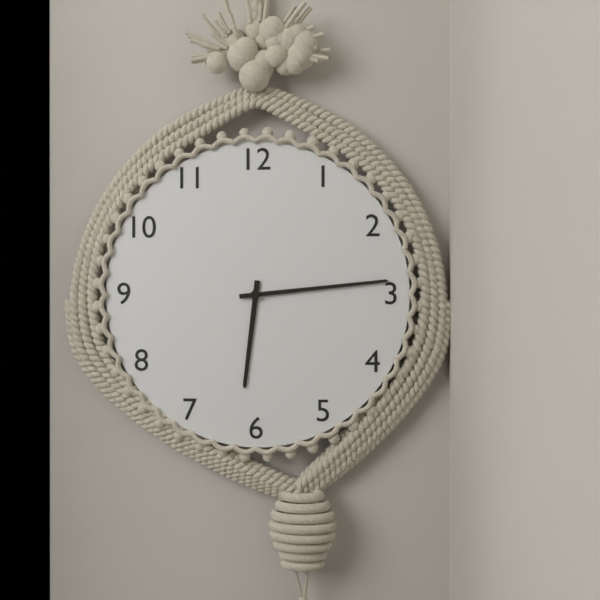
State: h=6 m=14
